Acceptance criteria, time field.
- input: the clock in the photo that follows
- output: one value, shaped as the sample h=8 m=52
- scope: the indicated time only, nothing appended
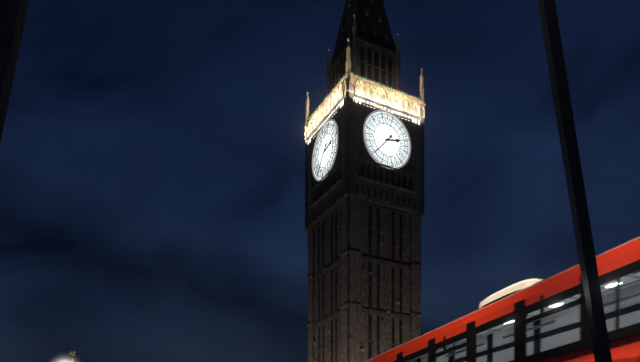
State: h=2 m=37
